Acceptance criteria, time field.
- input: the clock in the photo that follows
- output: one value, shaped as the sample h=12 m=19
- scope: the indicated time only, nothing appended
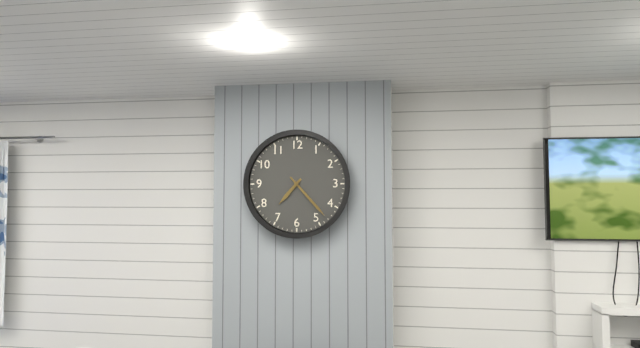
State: h=7 m=23
